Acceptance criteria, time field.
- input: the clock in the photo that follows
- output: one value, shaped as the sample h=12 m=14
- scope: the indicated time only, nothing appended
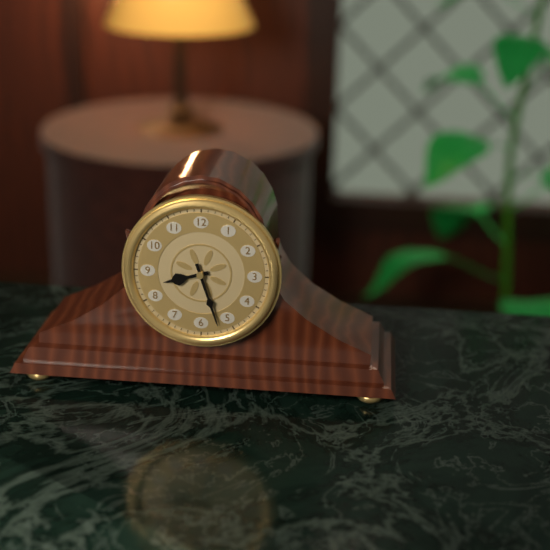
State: h=8 m=27
